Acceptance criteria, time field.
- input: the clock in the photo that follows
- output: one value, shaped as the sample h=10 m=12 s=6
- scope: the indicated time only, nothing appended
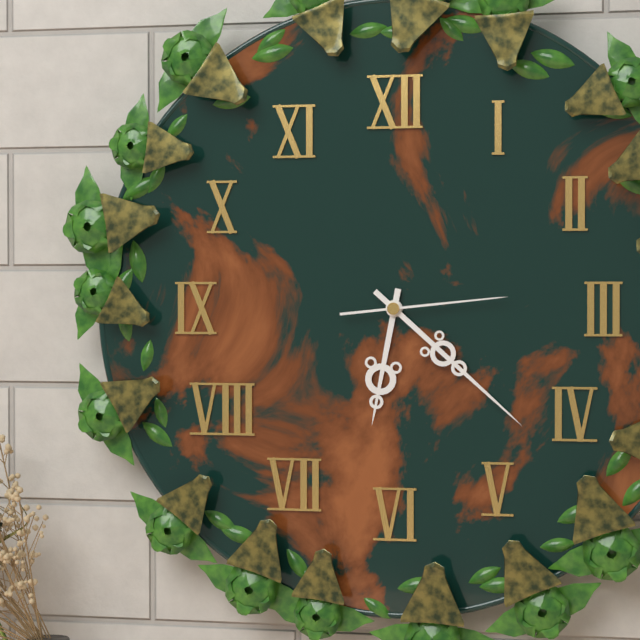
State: h=6 m=22 s=14
